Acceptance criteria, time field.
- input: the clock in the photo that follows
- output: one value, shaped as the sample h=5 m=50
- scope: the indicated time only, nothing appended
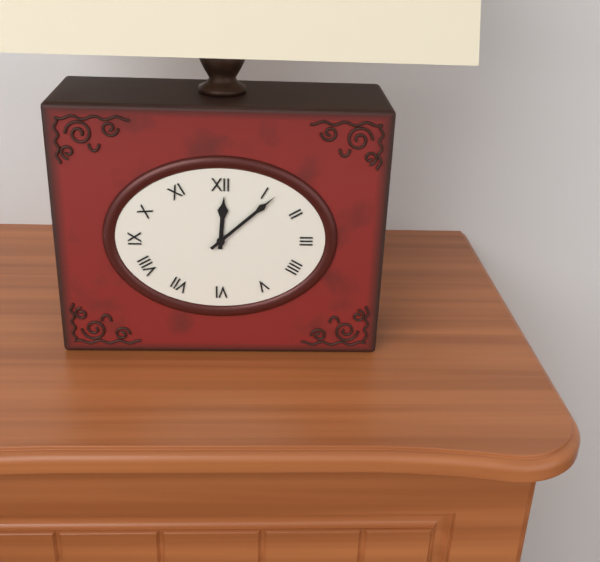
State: h=12 m=8
